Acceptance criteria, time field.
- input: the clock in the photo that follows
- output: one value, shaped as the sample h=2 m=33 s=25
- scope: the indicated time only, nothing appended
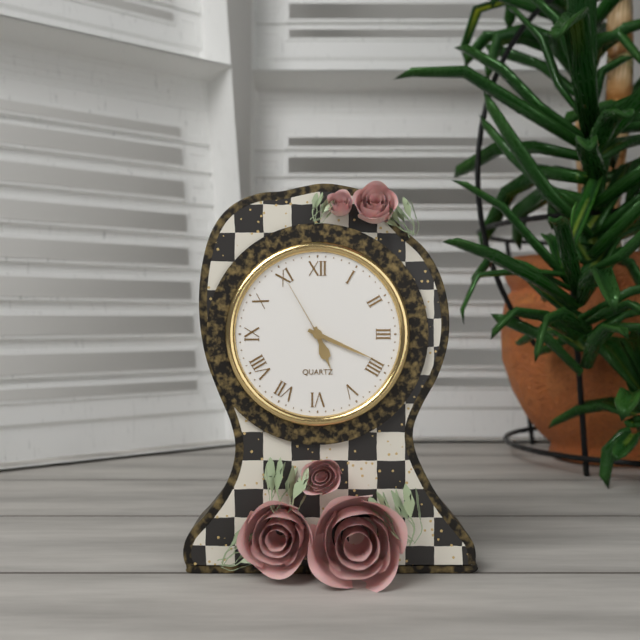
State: h=5 m=19 s=55
